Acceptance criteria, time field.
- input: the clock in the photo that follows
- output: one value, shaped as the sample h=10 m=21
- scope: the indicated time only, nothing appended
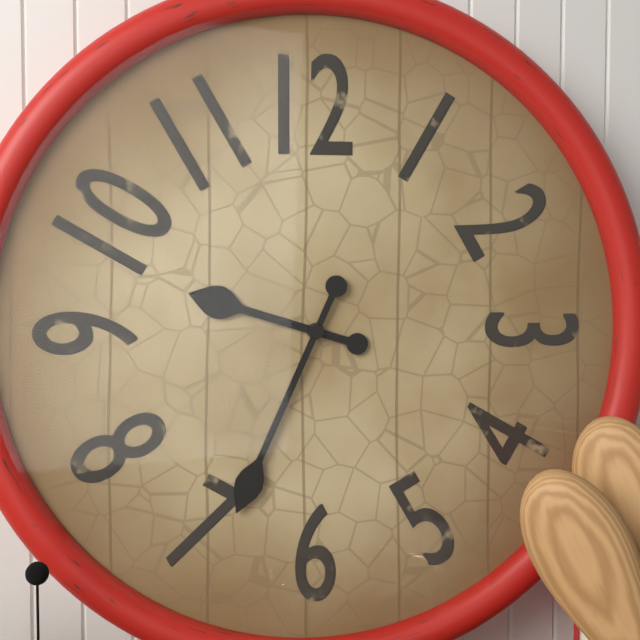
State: h=9 m=34
